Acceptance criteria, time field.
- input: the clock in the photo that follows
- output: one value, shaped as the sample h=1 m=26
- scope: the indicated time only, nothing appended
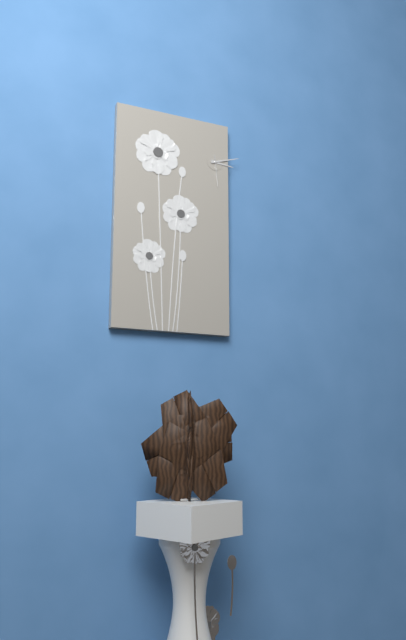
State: h=3 m=12
